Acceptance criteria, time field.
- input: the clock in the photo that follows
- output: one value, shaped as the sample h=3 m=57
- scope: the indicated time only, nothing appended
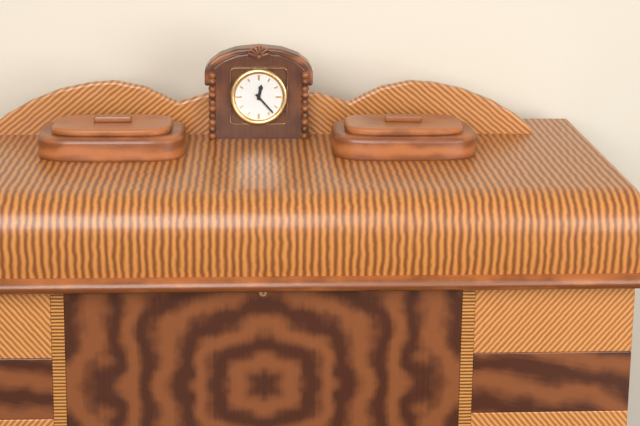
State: h=12 m=23
